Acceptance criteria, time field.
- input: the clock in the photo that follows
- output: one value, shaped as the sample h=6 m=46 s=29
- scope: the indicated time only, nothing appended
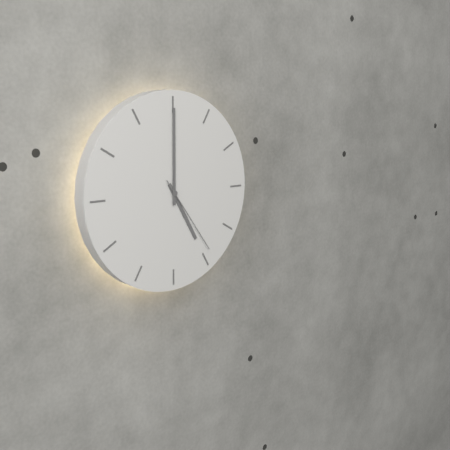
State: h=5 m=0 s=24
